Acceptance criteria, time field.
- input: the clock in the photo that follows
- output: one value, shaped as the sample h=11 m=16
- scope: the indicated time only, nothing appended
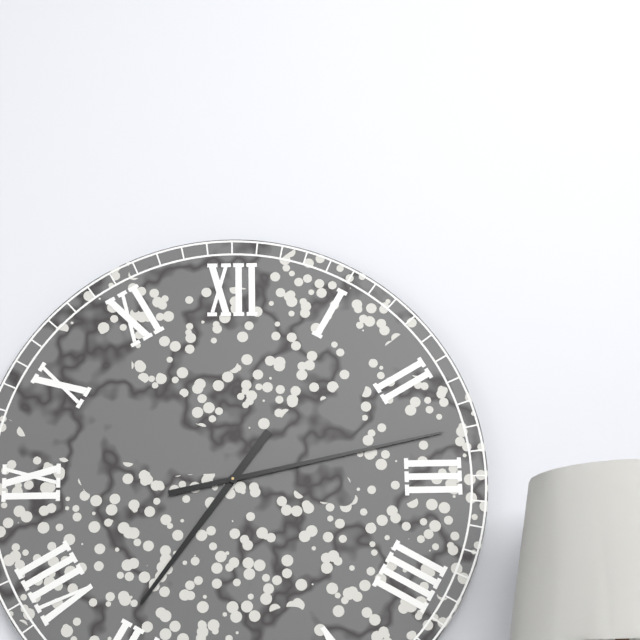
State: h=7 m=13
